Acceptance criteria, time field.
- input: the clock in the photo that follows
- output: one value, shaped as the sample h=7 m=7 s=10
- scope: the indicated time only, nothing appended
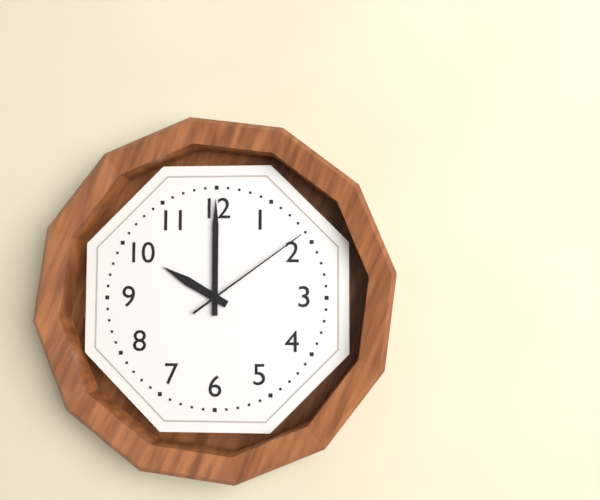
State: h=10 m=0 s=9
